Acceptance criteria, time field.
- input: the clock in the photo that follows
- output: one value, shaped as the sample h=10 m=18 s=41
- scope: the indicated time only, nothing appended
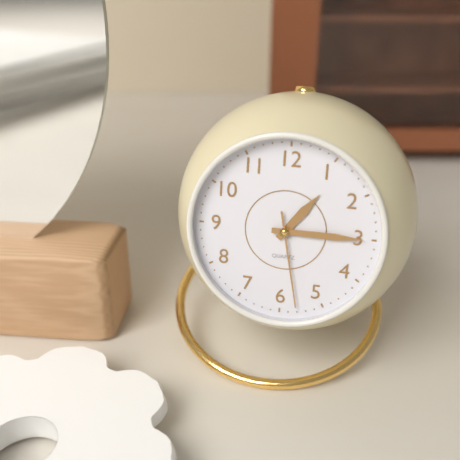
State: h=1 m=15 s=28
